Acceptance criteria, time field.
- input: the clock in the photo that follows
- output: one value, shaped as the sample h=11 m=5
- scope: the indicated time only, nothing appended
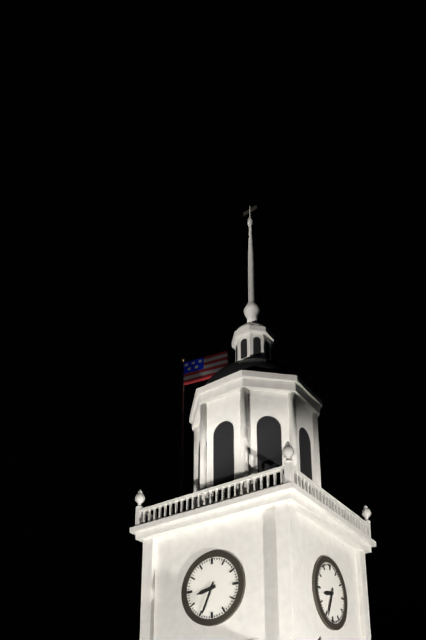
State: h=8 m=34
